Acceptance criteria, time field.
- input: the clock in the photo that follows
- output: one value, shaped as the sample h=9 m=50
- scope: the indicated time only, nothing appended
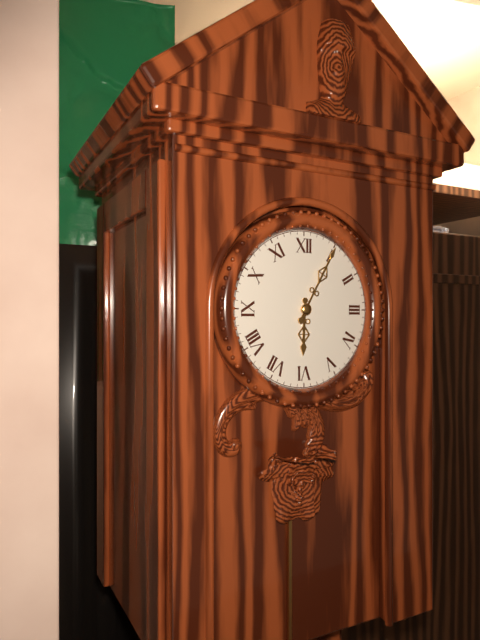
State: h=6 m=5
